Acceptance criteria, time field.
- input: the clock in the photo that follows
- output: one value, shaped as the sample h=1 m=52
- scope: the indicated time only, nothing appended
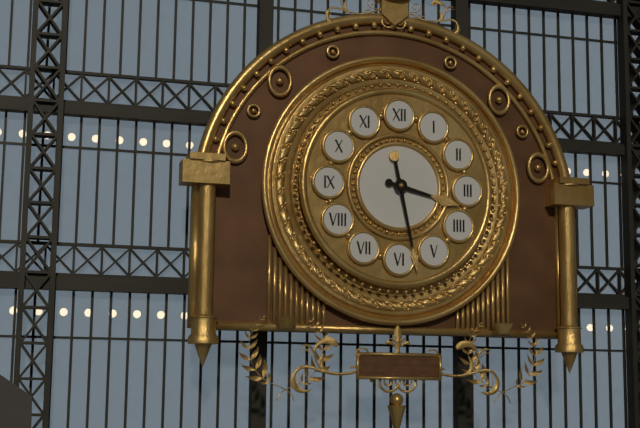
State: h=3 m=28
